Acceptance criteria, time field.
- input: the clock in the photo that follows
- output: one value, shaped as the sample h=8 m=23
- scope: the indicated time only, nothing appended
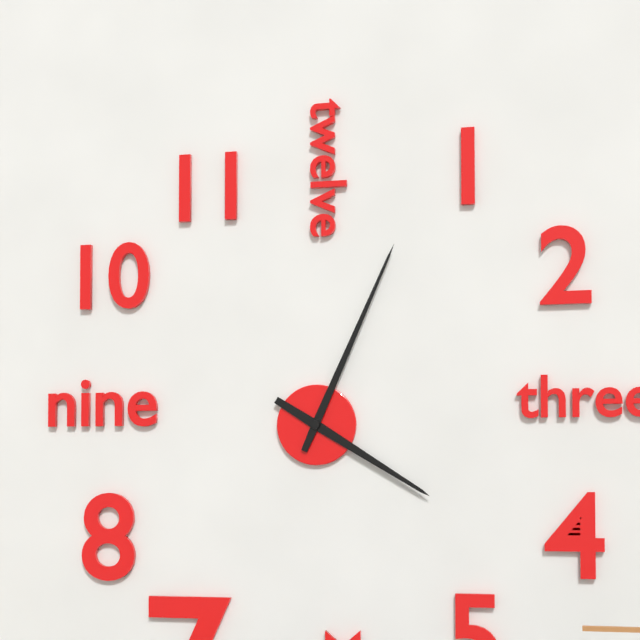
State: h=4 m=4
